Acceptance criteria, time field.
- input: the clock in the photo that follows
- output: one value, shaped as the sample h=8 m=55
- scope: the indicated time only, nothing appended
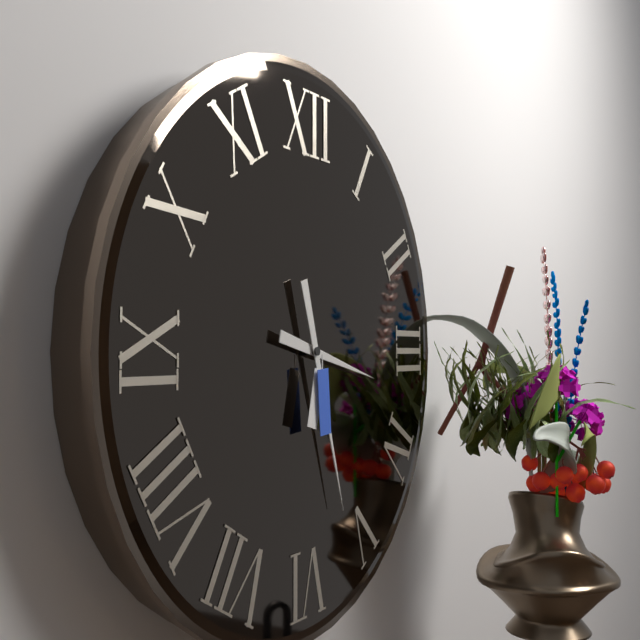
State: h=3 m=27
